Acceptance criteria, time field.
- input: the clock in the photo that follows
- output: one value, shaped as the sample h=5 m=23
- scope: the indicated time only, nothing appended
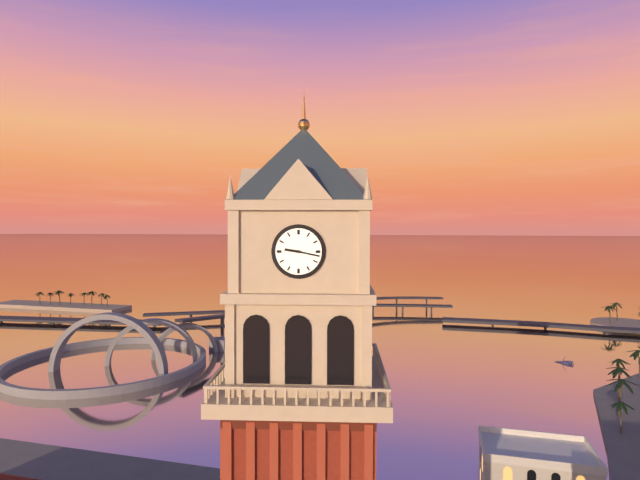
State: h=9 m=17
